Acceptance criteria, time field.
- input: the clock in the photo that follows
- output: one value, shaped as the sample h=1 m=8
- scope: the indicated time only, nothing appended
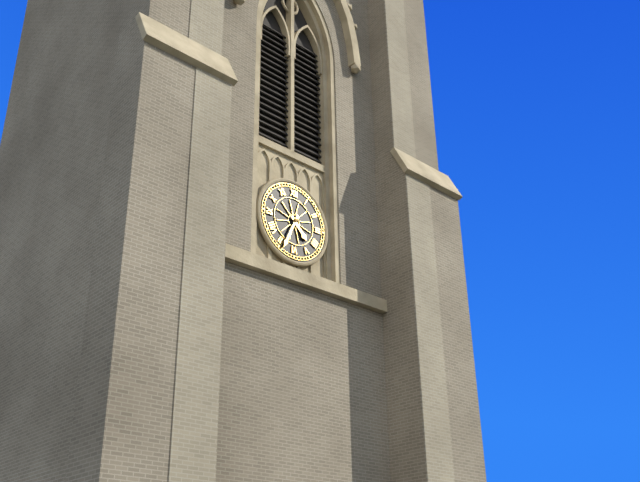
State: h=4 m=34
